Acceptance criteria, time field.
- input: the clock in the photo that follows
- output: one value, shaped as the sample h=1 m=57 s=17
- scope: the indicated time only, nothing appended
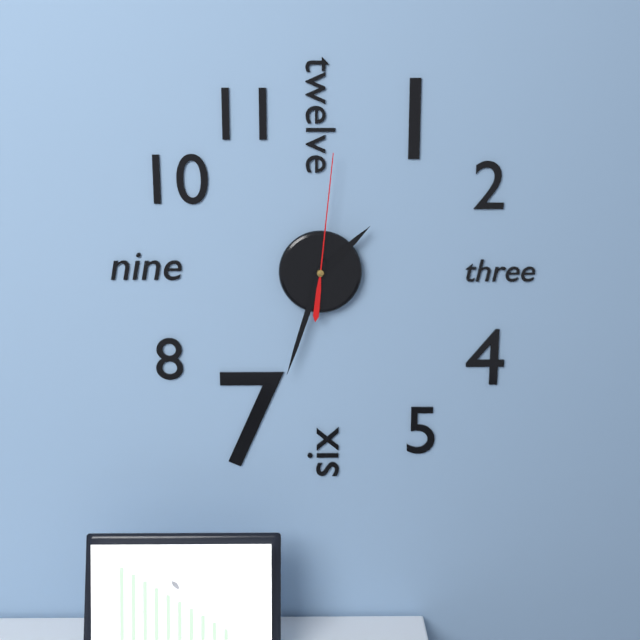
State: h=1 m=33 s=1
